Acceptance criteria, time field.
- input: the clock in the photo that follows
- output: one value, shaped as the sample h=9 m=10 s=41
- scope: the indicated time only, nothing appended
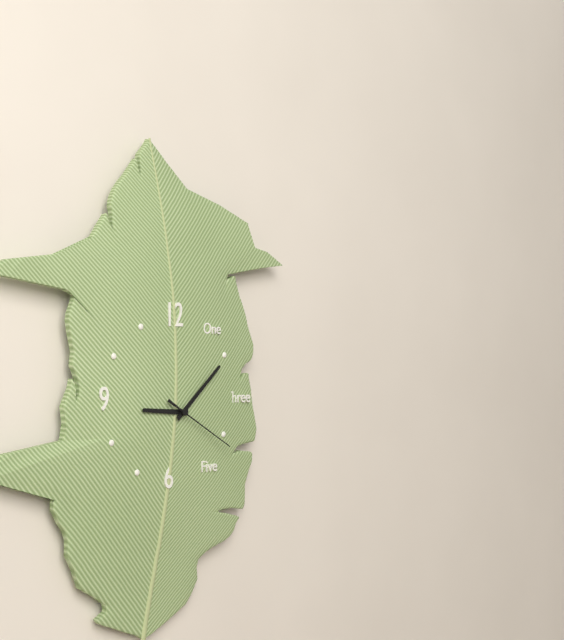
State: h=9 m=8 s=20
